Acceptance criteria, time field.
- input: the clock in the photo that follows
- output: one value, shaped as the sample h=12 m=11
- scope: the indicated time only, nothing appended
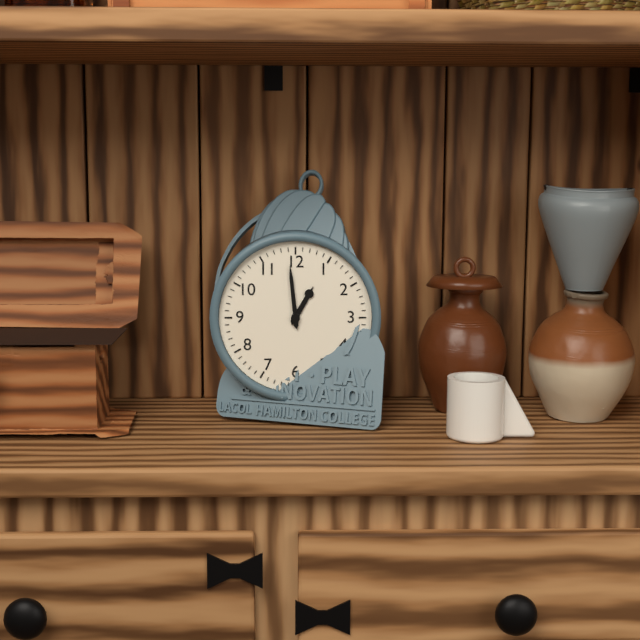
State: h=12 m=59
